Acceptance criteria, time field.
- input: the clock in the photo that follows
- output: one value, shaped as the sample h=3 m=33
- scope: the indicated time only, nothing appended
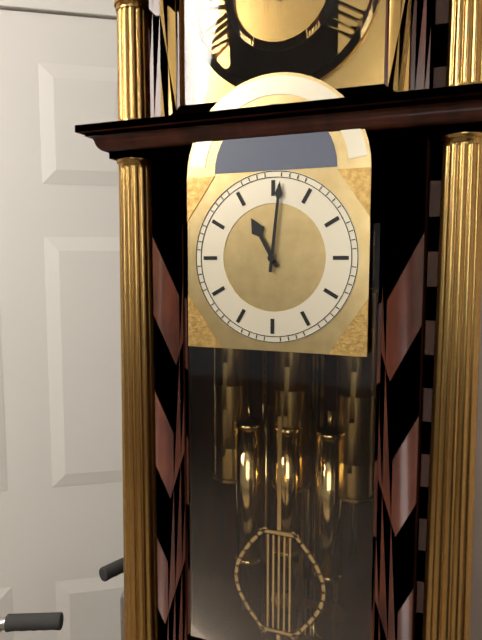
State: h=11 m=1
